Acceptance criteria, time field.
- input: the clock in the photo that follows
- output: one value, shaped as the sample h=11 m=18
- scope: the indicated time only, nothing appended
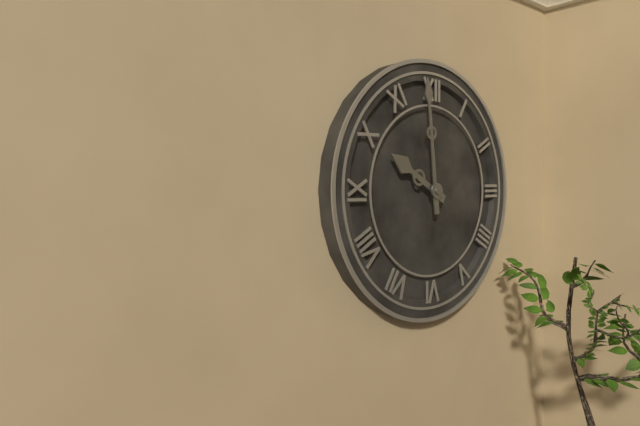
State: h=9 m=59
